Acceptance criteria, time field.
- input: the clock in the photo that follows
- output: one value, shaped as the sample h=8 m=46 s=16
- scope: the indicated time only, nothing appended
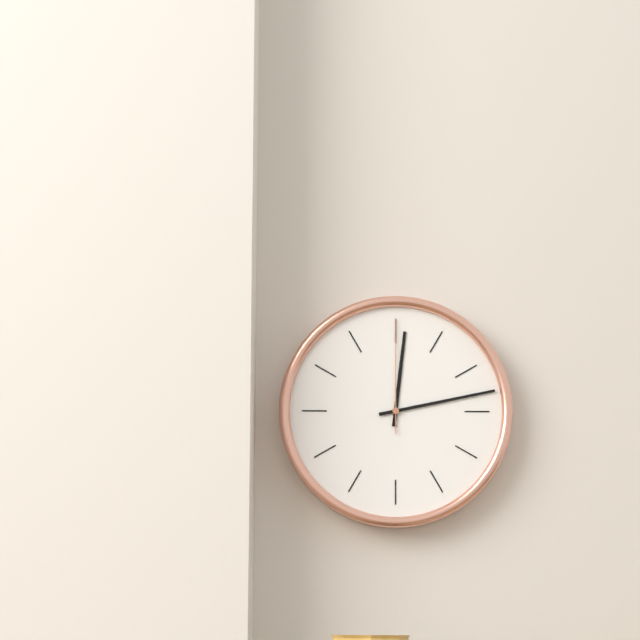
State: h=12 m=13 s=0
